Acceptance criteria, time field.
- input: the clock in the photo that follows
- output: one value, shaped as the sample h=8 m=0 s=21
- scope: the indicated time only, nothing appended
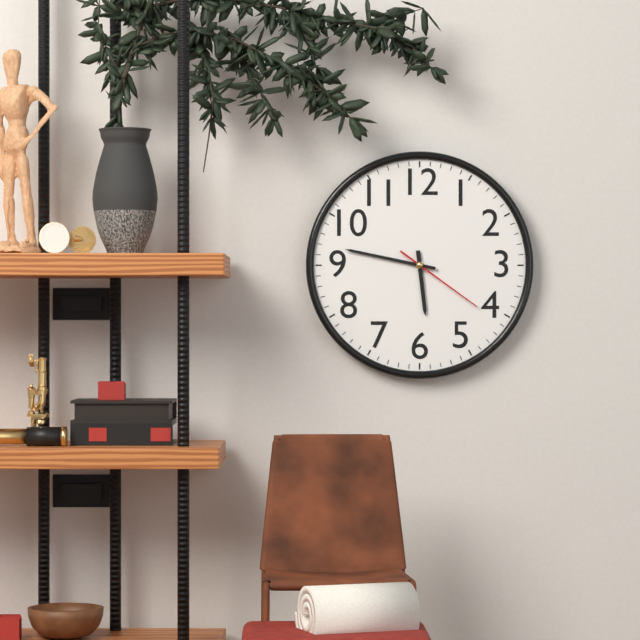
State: h=5 m=47 s=21
